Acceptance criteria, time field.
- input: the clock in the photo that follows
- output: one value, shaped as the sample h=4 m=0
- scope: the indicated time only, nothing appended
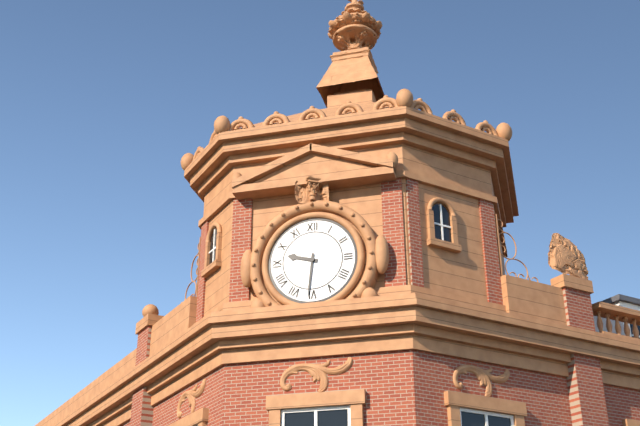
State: h=9 m=31
